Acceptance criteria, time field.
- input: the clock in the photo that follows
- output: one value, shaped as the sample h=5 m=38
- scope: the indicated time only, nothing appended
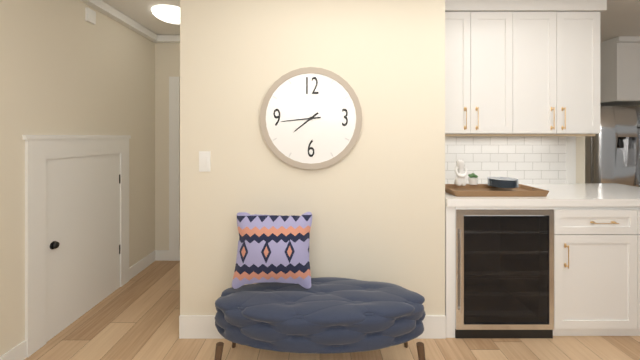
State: h=7 m=44
